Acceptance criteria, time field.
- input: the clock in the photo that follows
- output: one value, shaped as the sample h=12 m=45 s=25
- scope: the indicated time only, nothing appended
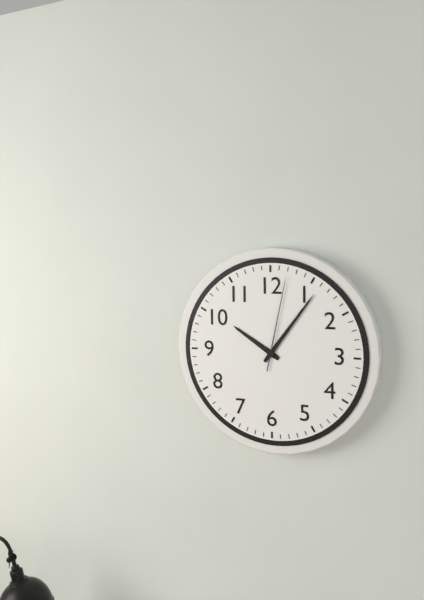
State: h=10 m=6 s=2
